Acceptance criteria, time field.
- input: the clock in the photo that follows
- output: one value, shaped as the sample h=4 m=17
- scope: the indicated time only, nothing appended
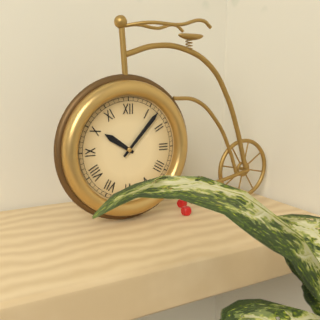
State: h=10 m=7
